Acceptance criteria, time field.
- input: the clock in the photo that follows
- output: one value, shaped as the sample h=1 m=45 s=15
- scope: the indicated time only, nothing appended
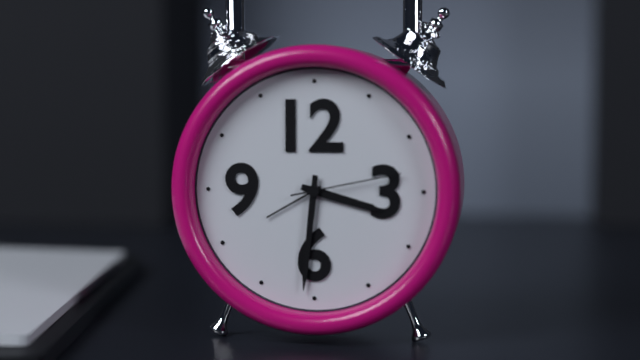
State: h=3 m=31 s=13
